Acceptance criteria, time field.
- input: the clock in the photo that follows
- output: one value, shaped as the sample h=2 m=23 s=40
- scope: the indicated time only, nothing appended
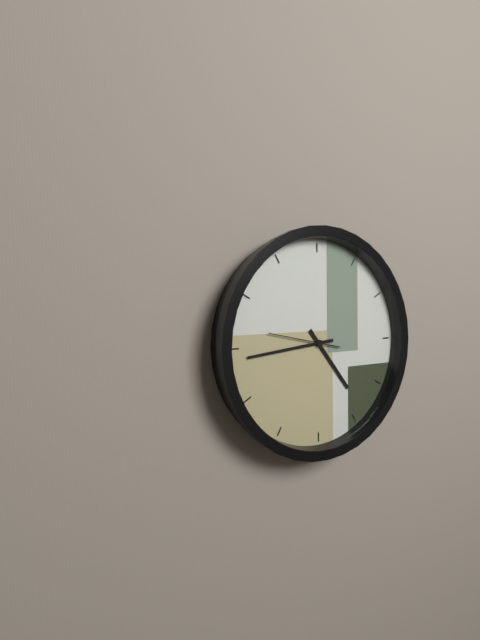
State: h=4 m=44 s=47
